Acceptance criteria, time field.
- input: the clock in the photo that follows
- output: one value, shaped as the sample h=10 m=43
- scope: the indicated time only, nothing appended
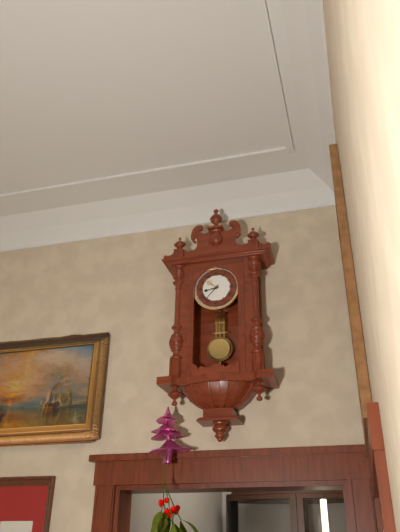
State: h=8 m=37
